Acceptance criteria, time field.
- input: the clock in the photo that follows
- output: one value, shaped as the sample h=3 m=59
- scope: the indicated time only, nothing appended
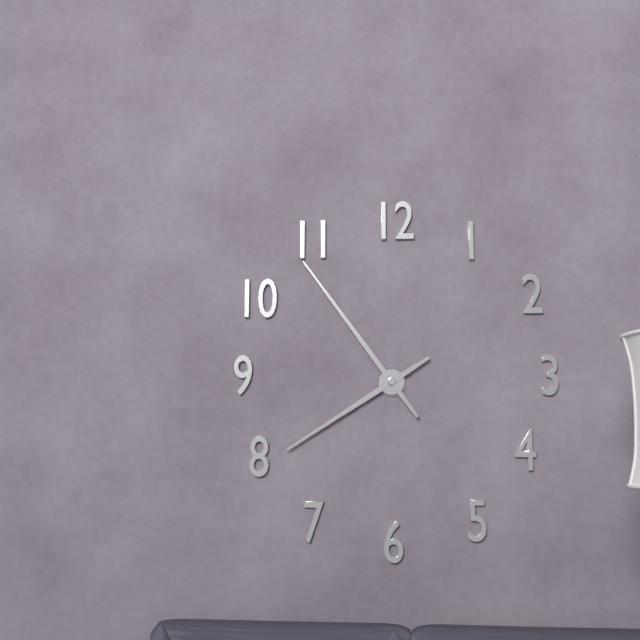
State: h=7 m=54
